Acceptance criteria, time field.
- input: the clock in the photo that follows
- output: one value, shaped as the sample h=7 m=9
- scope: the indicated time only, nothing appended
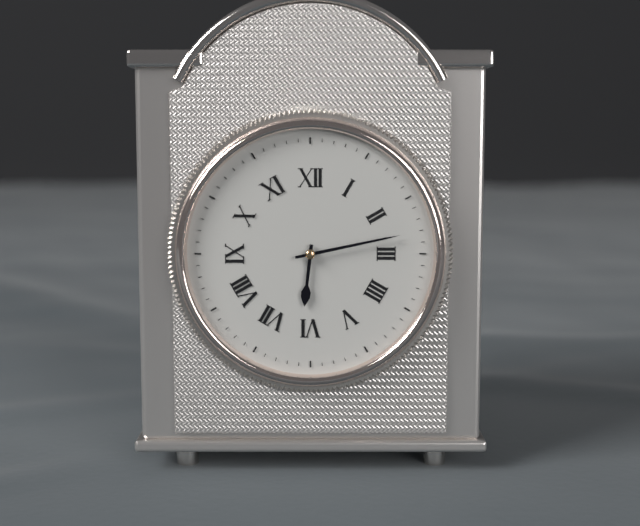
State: h=6 m=13
